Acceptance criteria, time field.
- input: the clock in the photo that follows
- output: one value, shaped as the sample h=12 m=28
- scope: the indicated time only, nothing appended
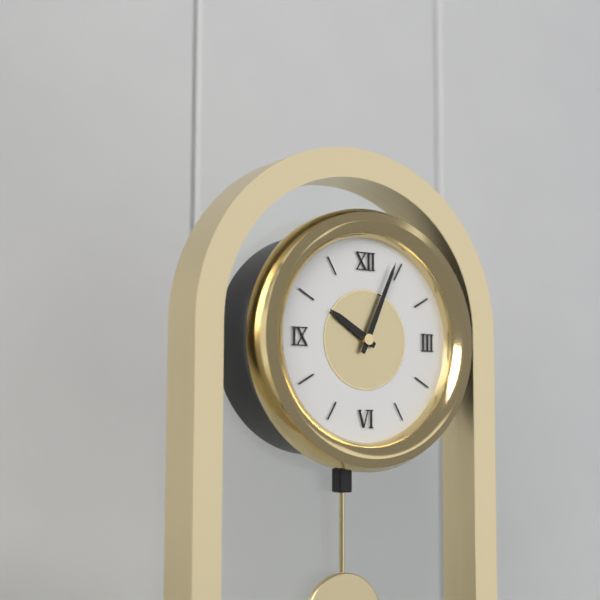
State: h=10 m=4
